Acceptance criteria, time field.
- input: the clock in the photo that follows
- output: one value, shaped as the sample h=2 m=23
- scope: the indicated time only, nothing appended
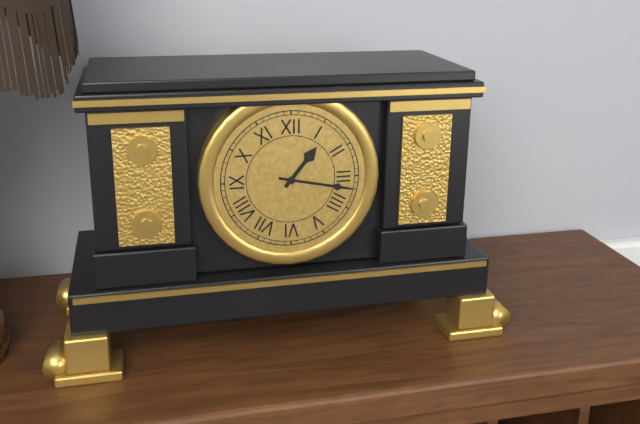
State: h=1 m=17
